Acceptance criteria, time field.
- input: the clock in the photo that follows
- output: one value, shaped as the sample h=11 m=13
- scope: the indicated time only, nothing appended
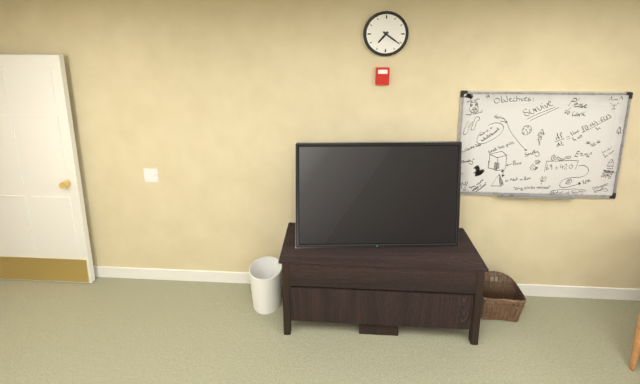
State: h=7 m=21
